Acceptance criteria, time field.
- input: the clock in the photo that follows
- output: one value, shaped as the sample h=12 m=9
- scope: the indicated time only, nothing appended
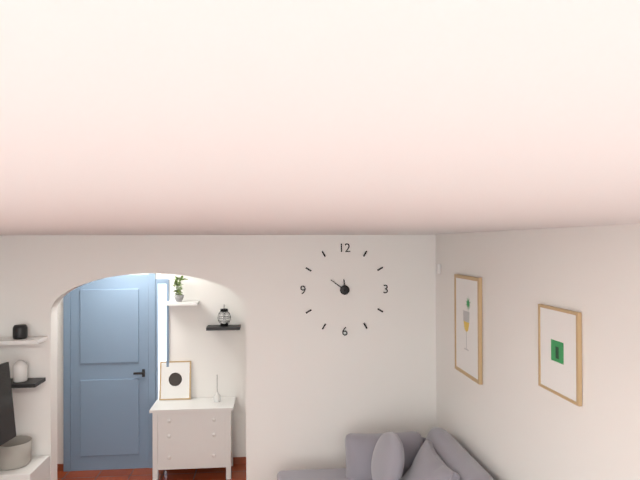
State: h=11 m=51
